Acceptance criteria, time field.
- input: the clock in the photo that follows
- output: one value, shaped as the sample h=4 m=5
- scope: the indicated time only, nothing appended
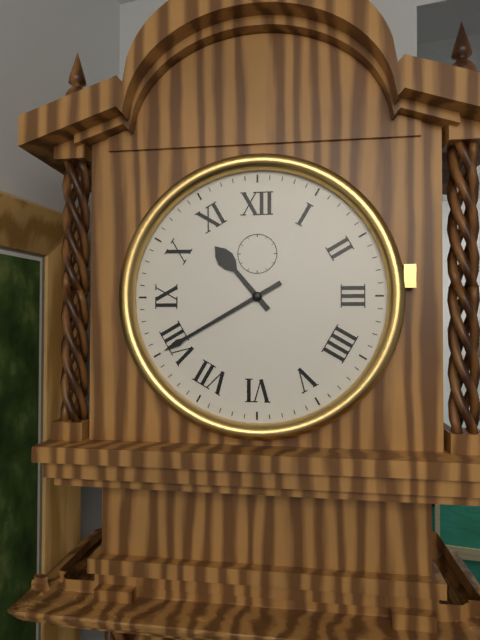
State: h=10 m=40
